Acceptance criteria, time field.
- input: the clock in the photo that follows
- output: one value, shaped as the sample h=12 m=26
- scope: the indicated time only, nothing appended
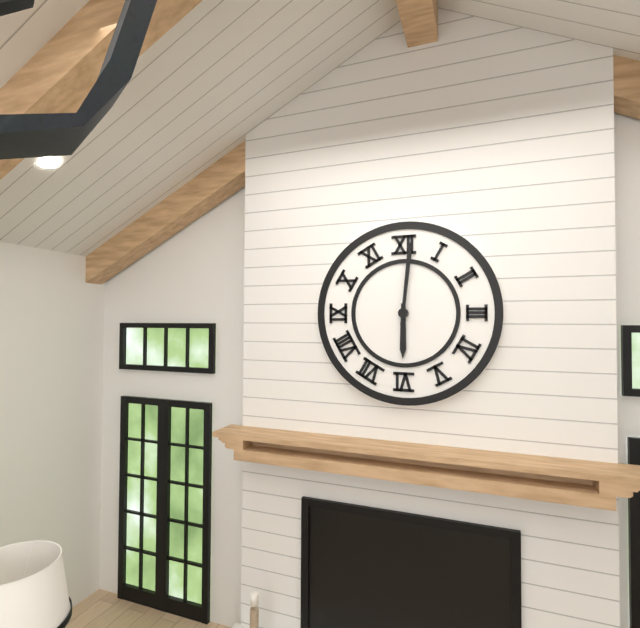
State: h=6 m=1
